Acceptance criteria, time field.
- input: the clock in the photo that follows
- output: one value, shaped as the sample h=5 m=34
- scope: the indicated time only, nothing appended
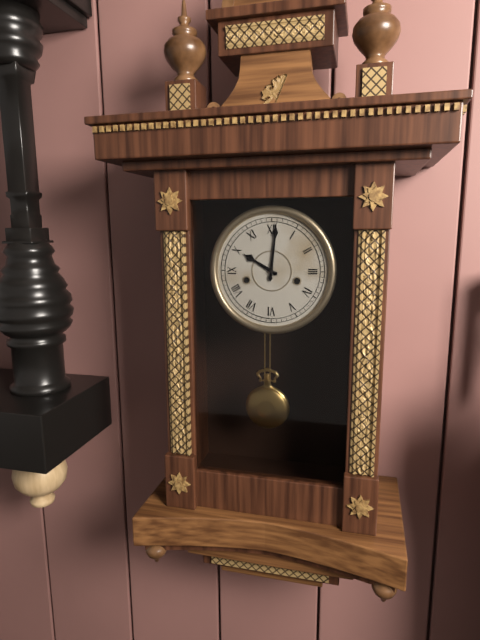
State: h=10 m=1
